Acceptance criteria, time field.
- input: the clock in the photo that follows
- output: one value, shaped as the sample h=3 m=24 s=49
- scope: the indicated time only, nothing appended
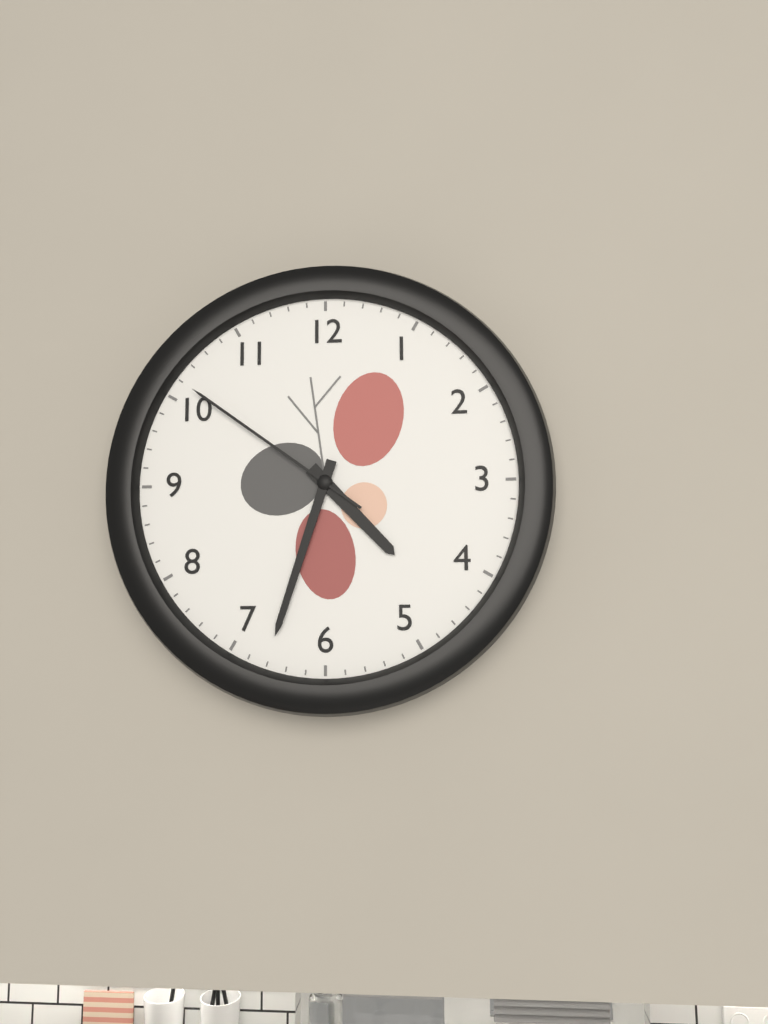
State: h=4 m=33 s=51
